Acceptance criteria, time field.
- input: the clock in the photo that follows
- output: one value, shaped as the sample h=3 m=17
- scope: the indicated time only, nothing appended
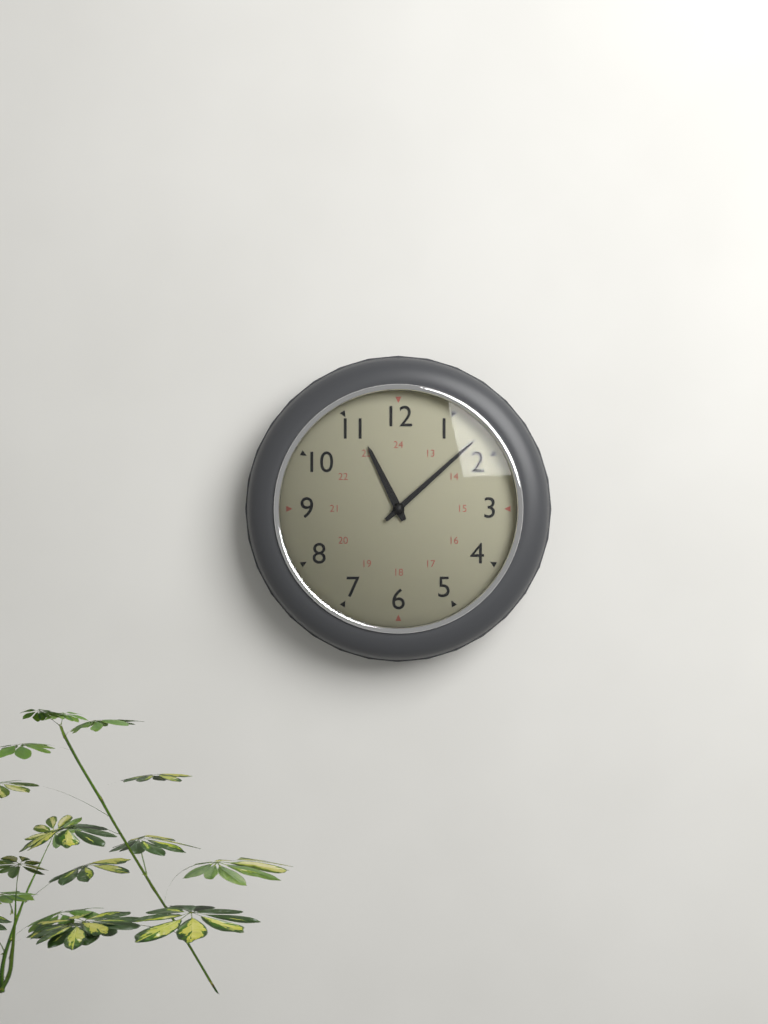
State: h=11 m=8
